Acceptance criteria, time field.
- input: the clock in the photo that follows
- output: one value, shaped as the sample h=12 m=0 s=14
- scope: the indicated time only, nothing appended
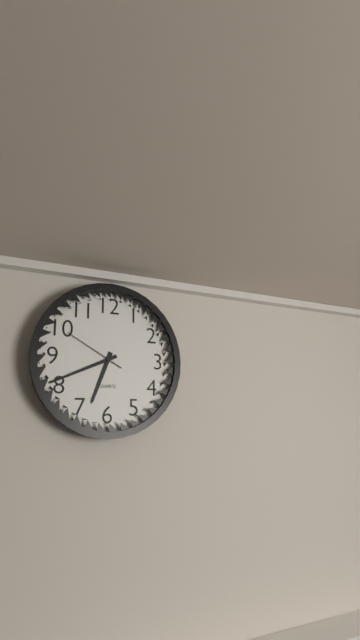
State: h=6 m=41 s=50
